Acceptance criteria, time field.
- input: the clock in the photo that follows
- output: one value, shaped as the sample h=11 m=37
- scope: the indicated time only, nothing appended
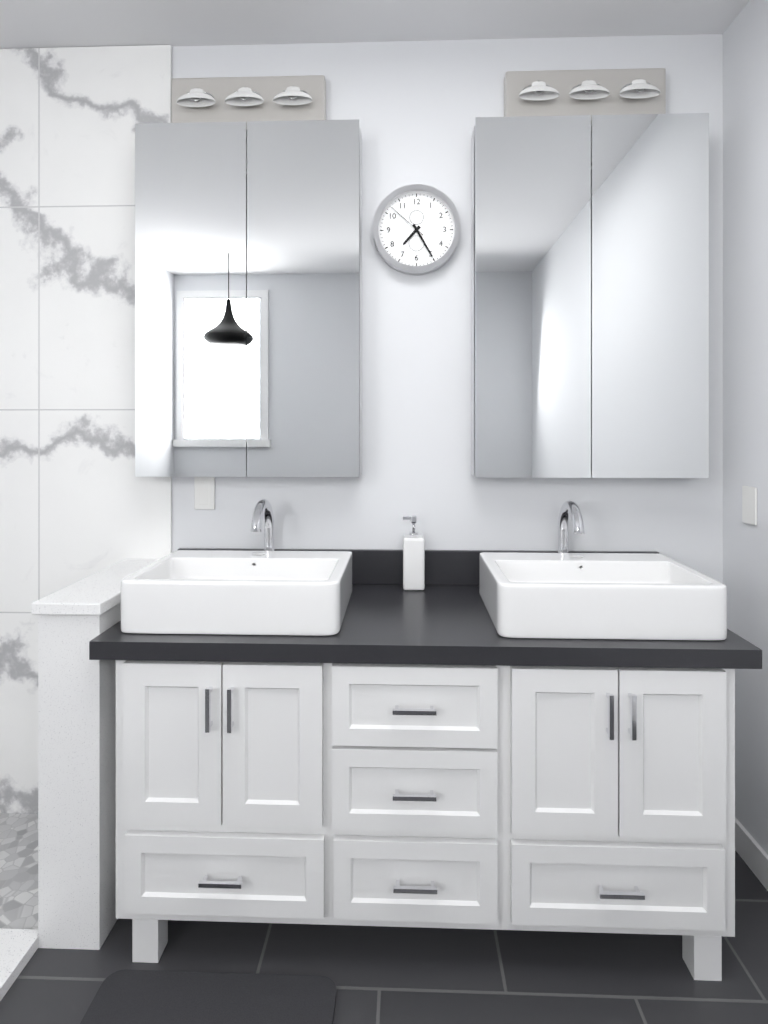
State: h=7 m=25
